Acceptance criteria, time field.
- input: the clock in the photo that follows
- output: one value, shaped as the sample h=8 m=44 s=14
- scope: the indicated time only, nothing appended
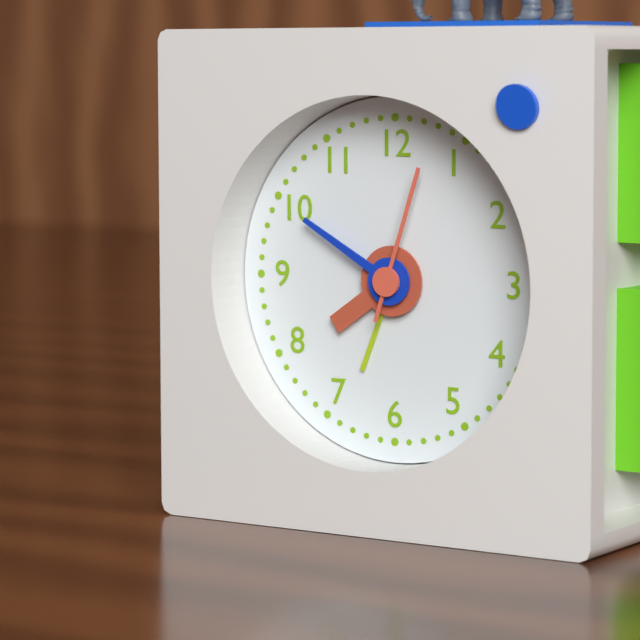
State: h=7 m=50 s=3
